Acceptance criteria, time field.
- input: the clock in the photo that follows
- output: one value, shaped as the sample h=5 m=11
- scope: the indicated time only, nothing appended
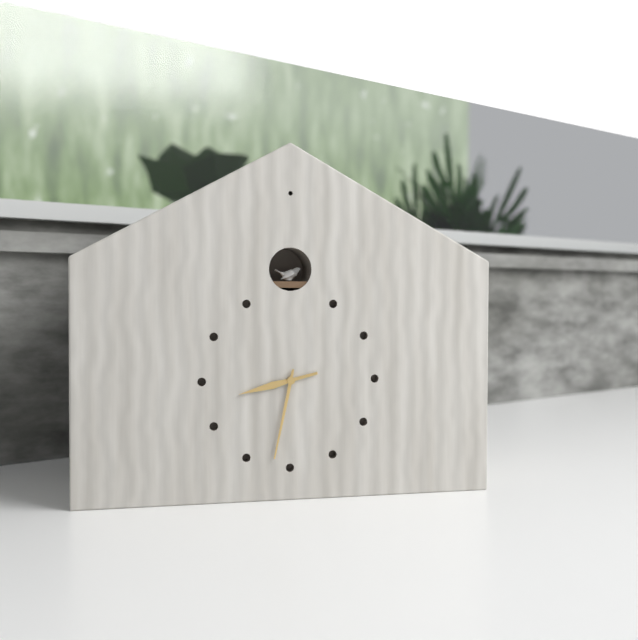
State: h=8 m=32
